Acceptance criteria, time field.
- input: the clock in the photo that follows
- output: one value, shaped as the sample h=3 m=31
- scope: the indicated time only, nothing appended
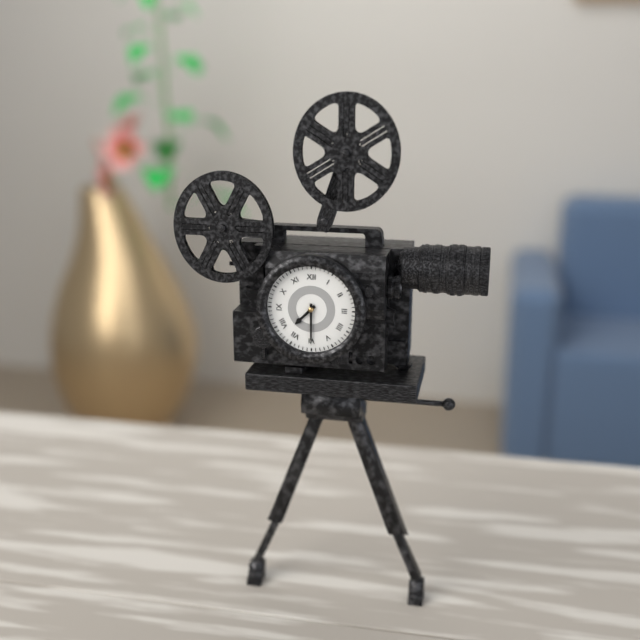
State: h=7 m=30
